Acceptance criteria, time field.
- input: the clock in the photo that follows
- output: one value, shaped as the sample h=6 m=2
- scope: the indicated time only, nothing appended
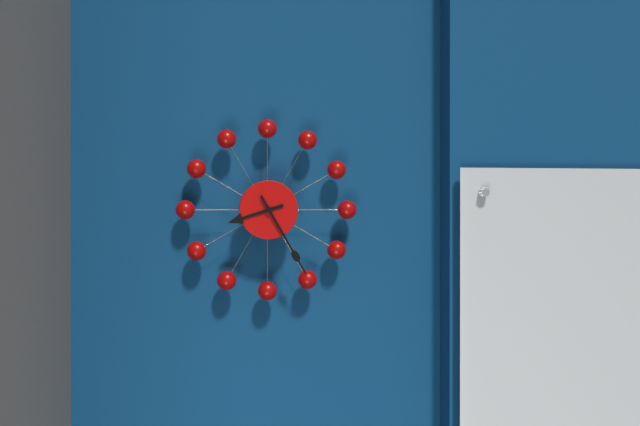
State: h=8 m=25
